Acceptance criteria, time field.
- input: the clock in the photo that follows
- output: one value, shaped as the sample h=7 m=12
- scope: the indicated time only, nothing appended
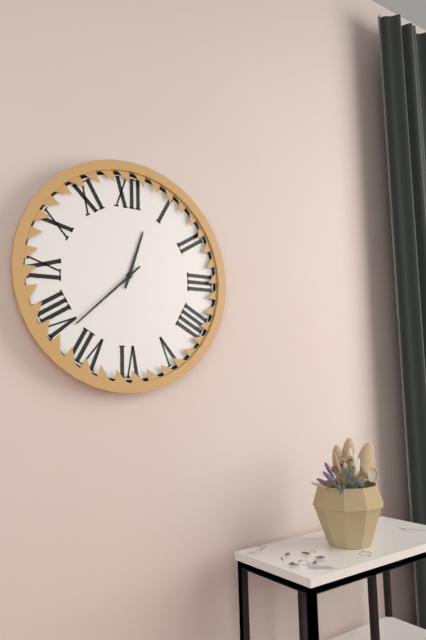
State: h=12 m=38
